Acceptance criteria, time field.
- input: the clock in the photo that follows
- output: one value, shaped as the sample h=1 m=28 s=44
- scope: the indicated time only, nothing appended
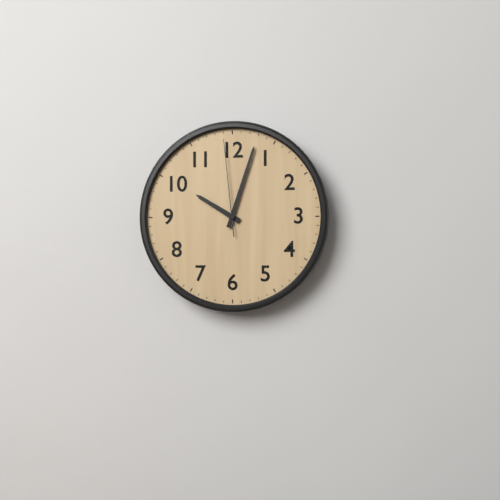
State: h=10 m=3 s=59
